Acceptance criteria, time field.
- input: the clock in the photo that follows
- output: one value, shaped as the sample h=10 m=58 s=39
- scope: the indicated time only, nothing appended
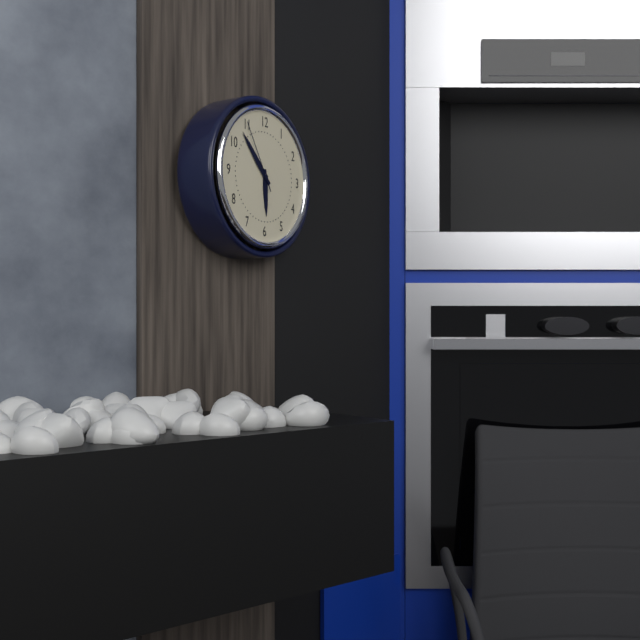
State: h=5 m=53 s=55
